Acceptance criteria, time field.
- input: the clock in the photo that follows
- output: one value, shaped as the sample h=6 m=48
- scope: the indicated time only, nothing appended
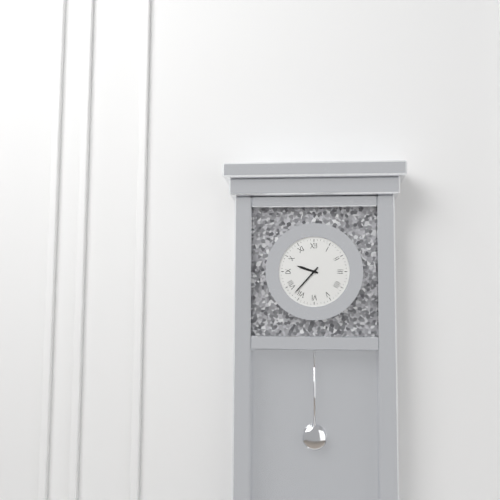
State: h=9 m=37
